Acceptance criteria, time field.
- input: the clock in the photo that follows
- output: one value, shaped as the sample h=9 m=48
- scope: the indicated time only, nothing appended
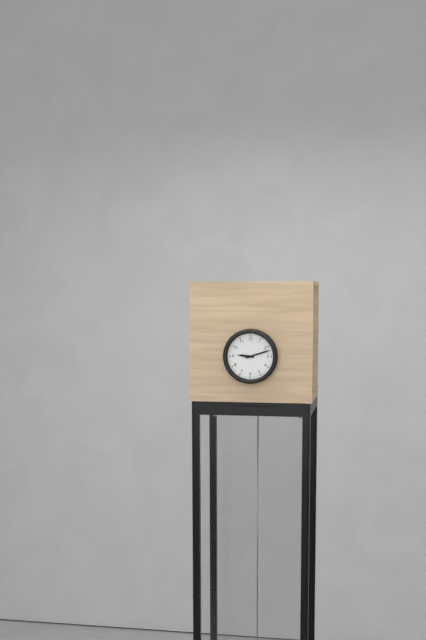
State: h=9 m=12
